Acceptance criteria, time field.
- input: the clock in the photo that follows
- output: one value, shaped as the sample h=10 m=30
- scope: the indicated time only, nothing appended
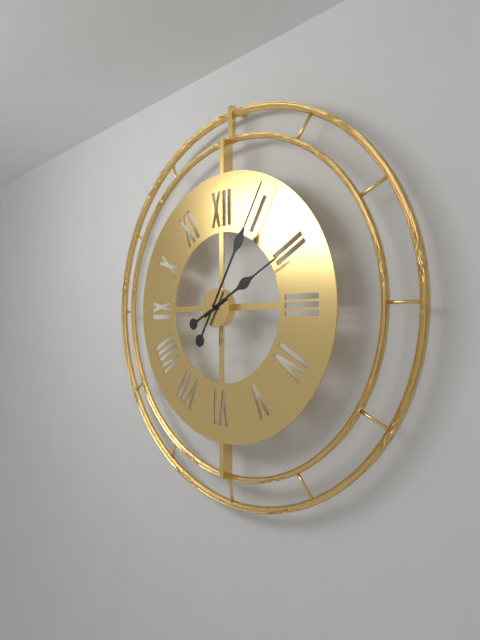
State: h=2 m=5
